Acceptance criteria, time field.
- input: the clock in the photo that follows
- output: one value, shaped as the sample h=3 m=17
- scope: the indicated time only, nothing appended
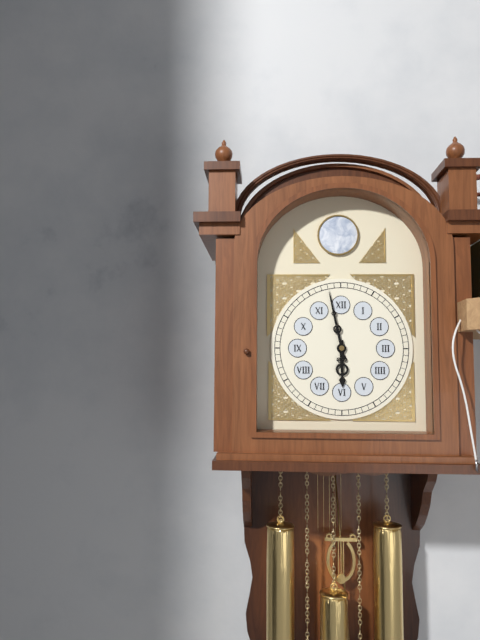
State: h=5 m=58
